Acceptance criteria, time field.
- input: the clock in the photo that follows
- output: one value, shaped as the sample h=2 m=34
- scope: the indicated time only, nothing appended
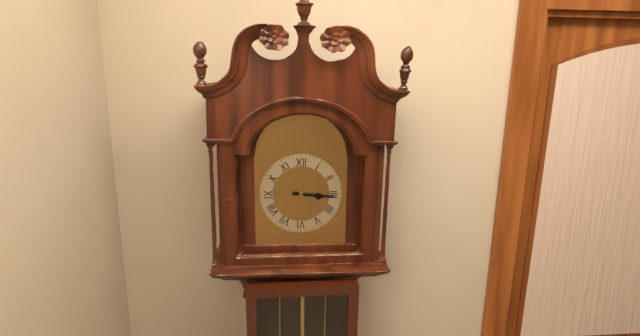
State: h=3 m=16
